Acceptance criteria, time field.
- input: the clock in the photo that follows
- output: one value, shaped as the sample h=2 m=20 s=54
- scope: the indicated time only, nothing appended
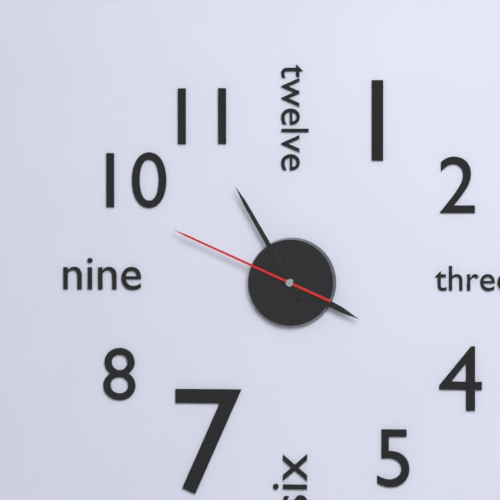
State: h=3 m=55 s=49
